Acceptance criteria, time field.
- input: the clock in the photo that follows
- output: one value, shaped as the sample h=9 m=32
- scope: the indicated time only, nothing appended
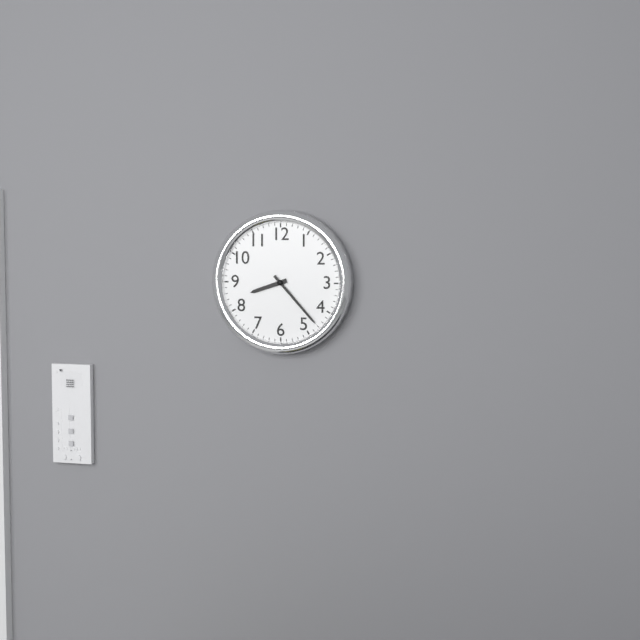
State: h=8 m=23
